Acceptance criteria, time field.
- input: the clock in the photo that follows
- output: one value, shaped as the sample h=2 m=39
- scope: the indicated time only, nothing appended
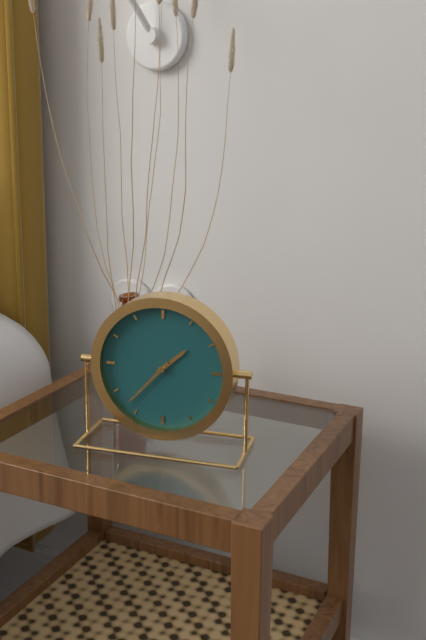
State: h=1 m=37
